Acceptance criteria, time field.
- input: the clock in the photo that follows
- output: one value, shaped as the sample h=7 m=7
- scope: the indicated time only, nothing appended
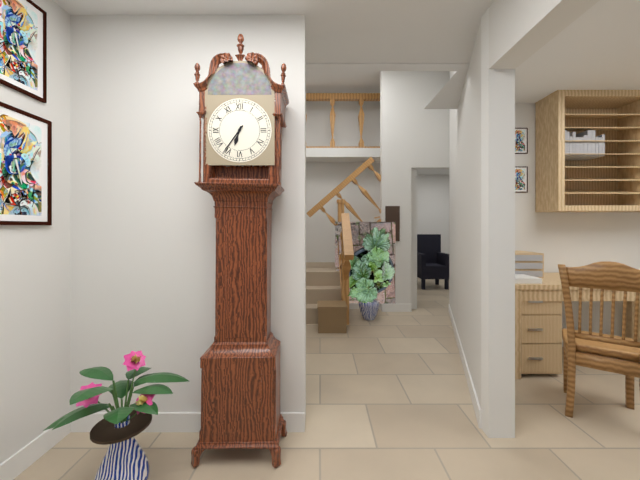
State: h=6 m=36
